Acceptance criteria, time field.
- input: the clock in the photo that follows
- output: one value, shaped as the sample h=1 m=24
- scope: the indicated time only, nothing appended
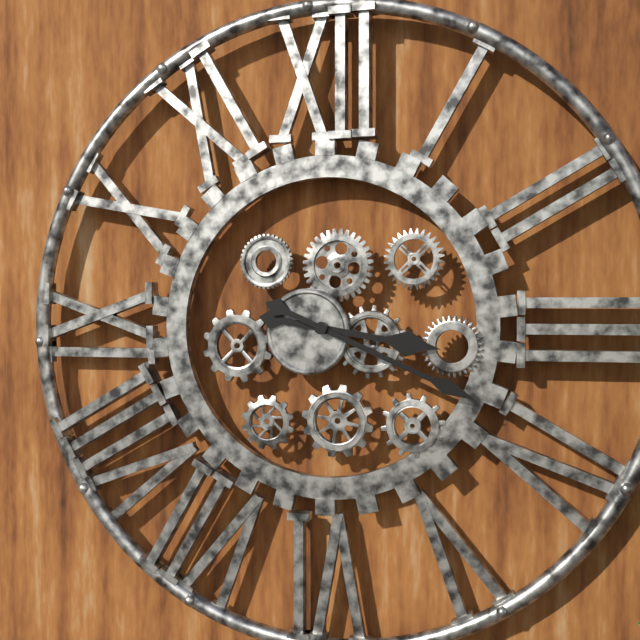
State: h=3 m=19
